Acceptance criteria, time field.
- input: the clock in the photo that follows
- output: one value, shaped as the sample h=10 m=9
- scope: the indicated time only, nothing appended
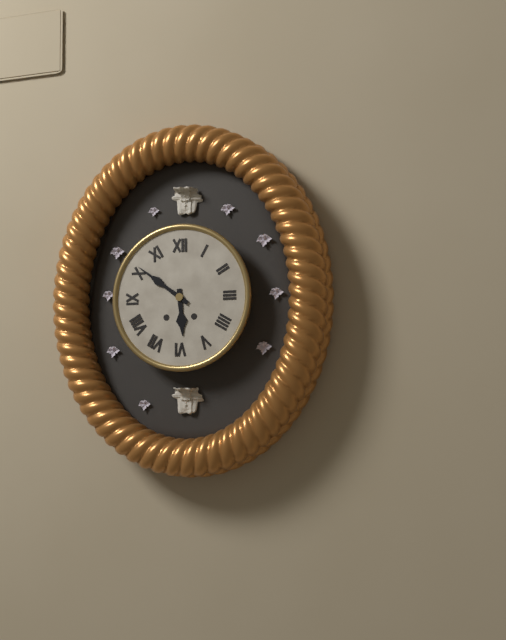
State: h=5 m=51
